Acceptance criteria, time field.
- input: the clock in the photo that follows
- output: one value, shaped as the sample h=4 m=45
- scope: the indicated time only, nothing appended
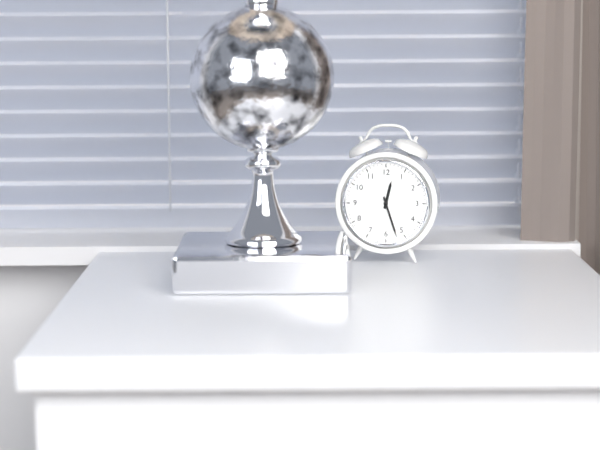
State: h=12 m=27
